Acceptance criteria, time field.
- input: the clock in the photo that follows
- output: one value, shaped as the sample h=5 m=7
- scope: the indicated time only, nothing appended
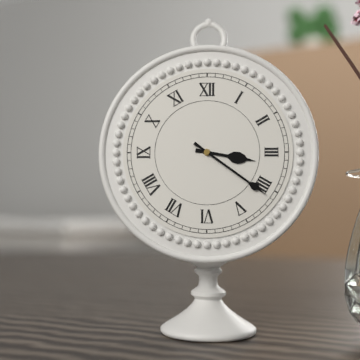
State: h=3 m=21
